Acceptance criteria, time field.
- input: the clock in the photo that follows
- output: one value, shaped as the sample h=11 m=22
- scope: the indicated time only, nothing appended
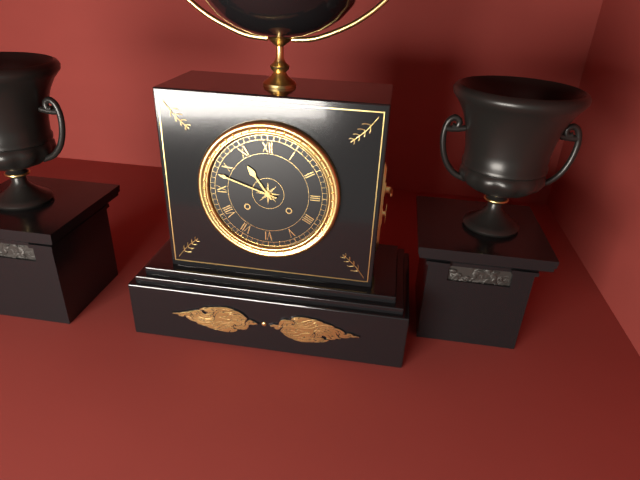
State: h=10 m=48
